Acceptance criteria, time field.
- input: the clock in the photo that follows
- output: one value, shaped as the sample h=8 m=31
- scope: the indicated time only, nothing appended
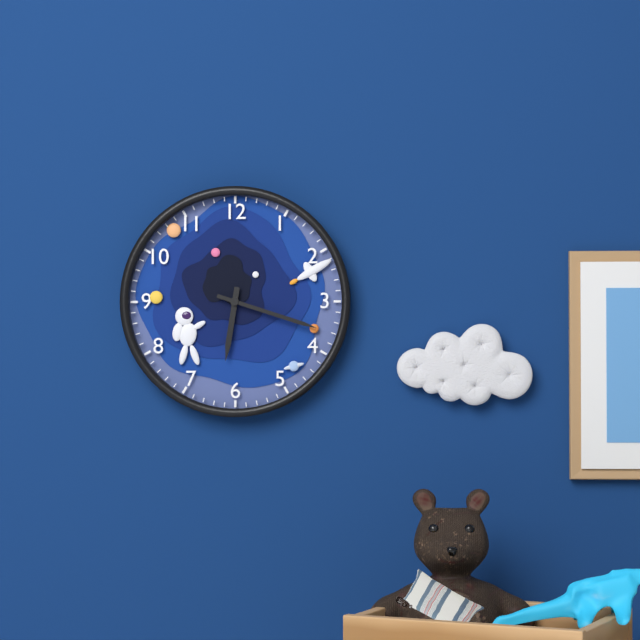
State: h=6 m=18
